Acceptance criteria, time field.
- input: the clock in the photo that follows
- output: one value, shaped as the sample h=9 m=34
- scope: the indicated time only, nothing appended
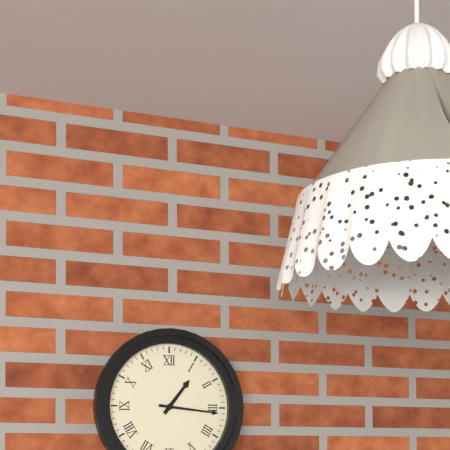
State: h=1 m=16
